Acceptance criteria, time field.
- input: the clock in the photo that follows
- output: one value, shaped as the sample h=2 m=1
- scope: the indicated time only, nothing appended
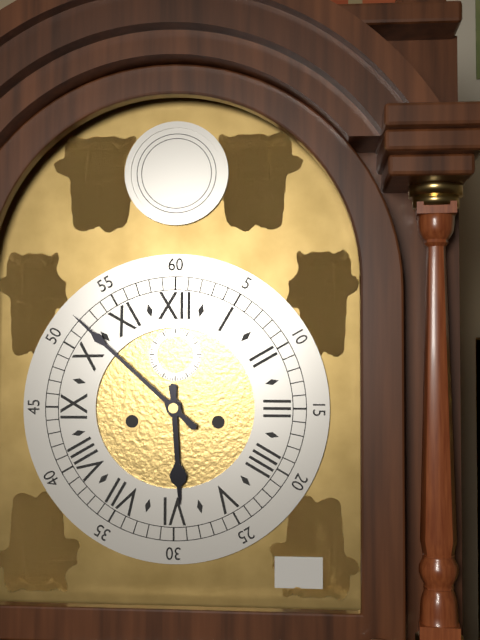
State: h=5 m=52
